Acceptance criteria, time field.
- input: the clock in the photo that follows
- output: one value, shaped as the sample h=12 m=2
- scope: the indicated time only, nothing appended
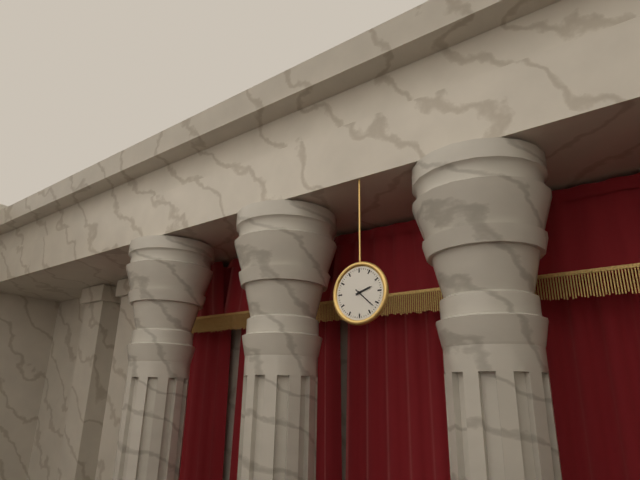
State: h=2 m=22
